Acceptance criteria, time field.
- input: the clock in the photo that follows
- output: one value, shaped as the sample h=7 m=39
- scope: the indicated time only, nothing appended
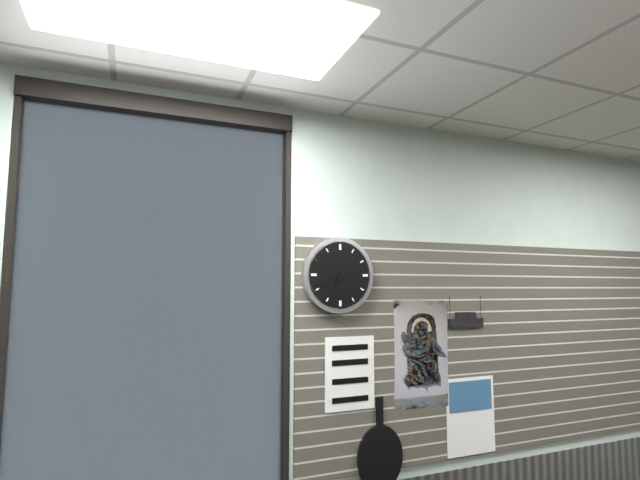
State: h=6 m=41
